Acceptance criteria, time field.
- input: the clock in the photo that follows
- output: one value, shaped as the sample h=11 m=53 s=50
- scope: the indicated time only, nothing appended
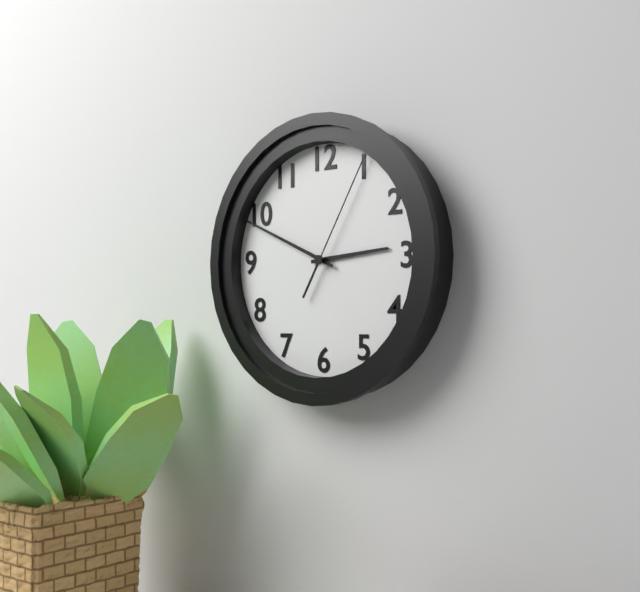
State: h=2 m=49 s=5
